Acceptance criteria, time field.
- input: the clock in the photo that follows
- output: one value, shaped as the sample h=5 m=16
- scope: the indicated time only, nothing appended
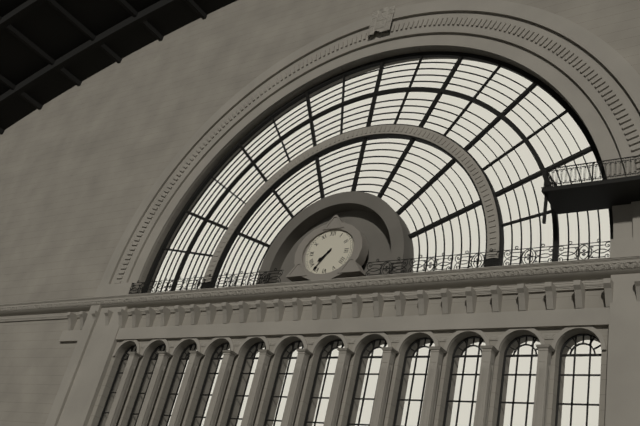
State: h=7 m=36
